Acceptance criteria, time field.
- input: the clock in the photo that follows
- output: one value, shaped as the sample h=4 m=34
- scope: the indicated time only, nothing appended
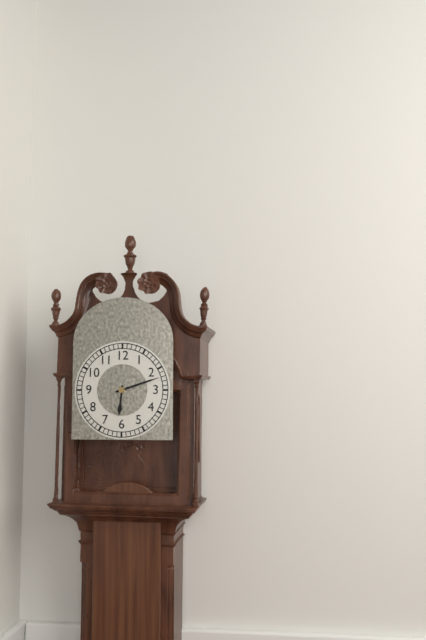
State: h=6 m=12
